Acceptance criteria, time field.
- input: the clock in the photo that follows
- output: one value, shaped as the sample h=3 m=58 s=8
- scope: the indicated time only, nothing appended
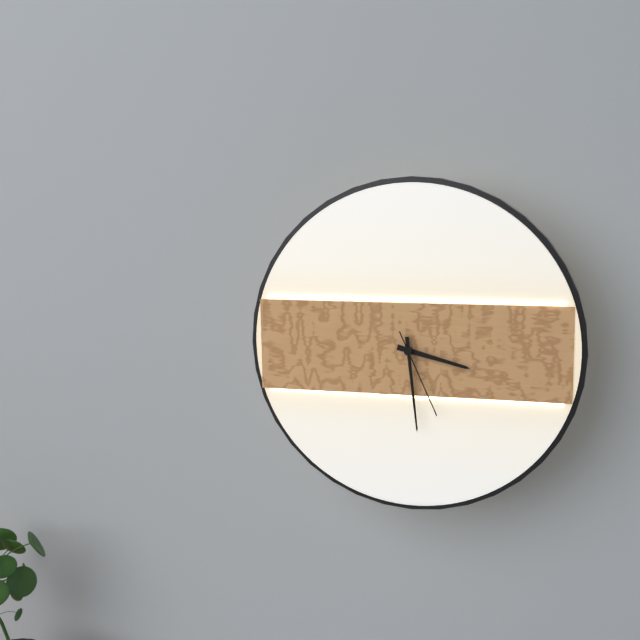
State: h=3 m=29 s=26
